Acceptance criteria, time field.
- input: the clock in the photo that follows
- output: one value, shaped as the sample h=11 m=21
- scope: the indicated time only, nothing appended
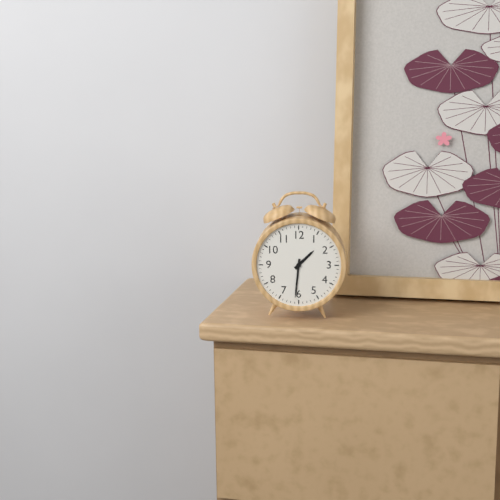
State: h=1 m=31
